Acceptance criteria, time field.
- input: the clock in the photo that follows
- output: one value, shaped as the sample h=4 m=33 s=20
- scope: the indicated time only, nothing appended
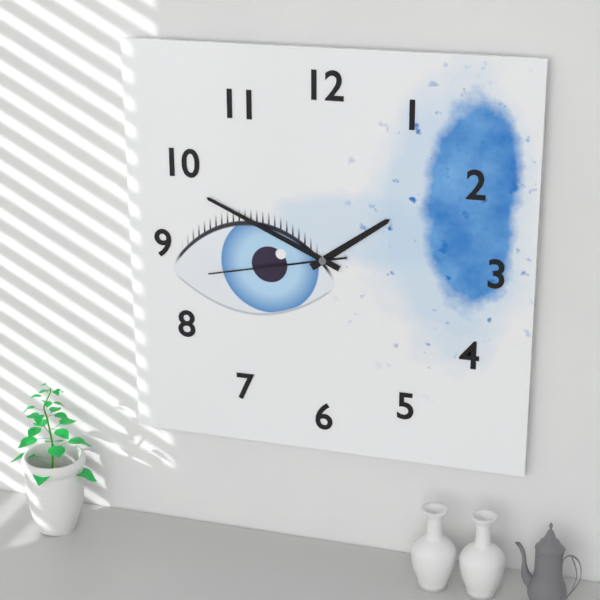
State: h=1 m=49 s=43
